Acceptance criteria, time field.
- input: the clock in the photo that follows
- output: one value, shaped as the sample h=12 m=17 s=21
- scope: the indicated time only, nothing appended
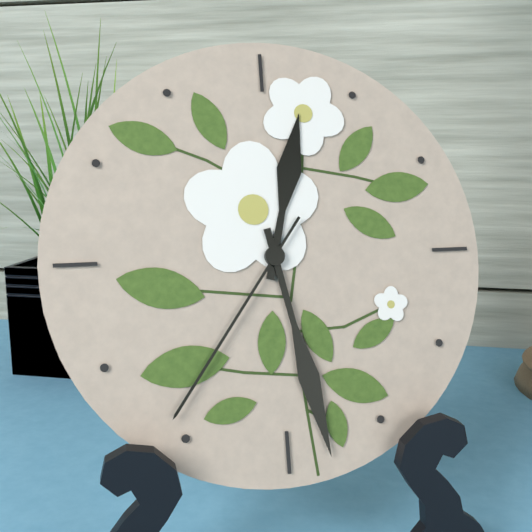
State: h=12 m=28 s=36
